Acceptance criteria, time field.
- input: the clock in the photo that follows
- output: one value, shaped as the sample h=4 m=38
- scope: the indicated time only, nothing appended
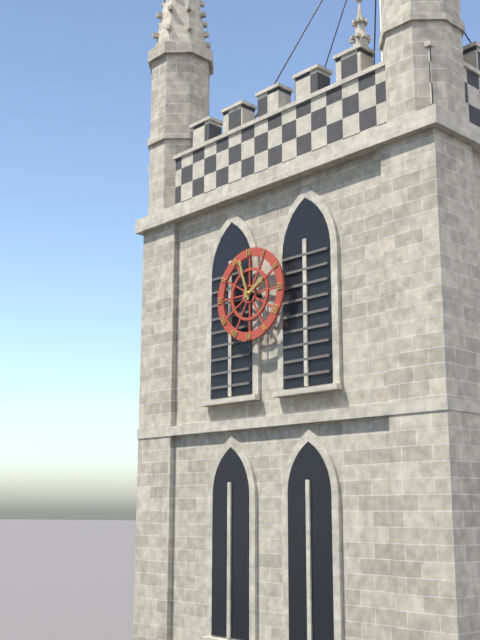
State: h=1 m=57
